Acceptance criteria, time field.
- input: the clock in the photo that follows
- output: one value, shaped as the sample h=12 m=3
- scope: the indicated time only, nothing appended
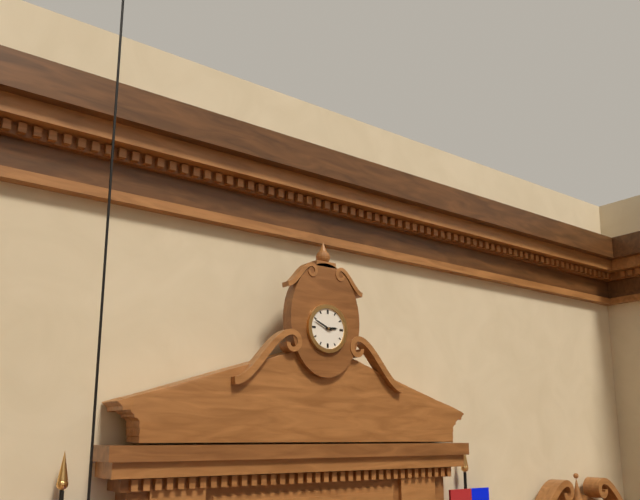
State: h=2 m=49
